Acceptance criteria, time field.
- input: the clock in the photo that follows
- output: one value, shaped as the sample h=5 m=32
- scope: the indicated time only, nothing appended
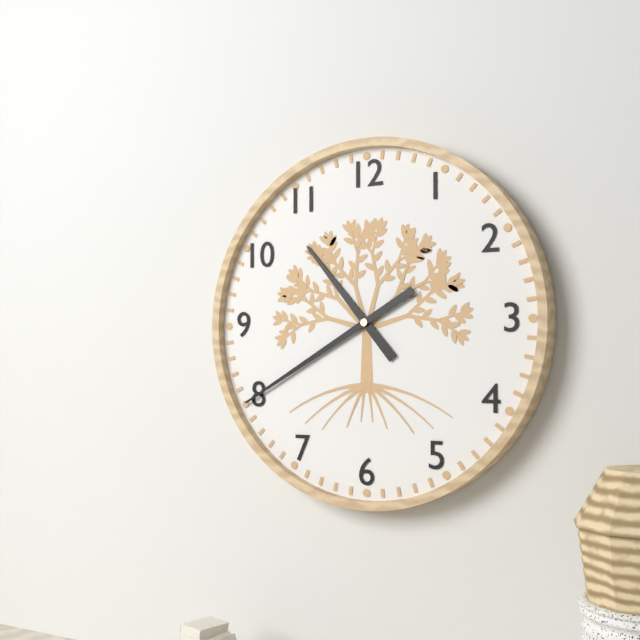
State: h=10 m=40
